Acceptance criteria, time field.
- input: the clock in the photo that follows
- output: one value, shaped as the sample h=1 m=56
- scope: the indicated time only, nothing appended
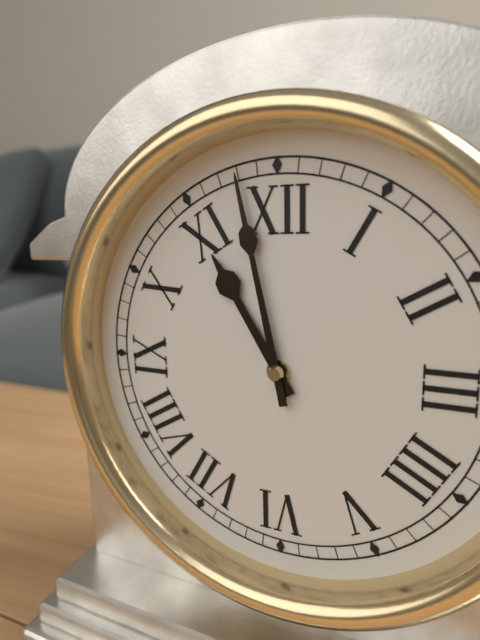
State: h=10 m=58
